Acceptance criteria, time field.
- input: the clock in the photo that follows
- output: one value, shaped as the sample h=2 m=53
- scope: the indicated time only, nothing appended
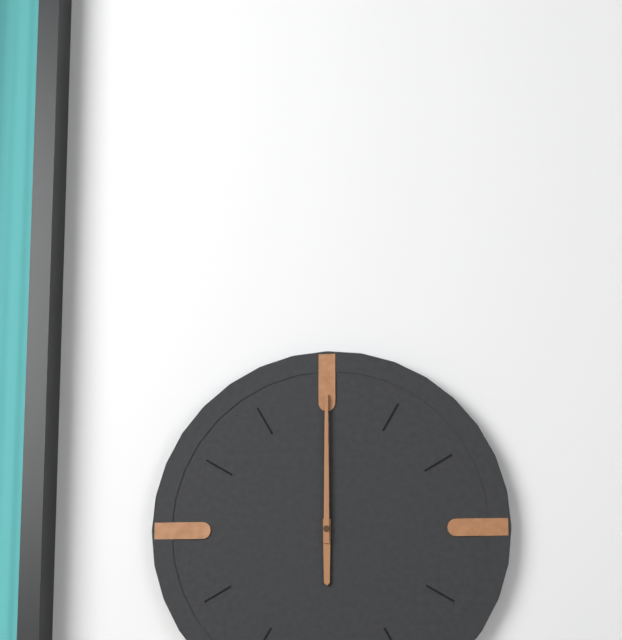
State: h=6 m=0
